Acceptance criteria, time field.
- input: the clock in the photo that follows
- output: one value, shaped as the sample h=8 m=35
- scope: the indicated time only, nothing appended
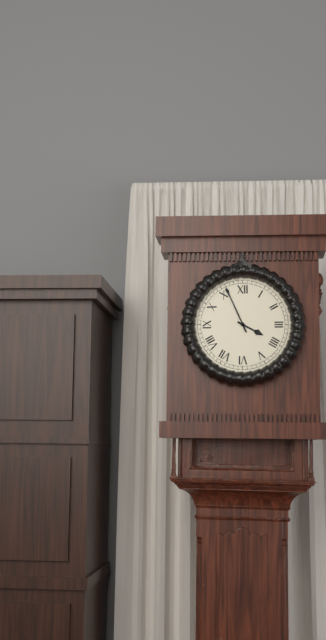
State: h=3 m=56
